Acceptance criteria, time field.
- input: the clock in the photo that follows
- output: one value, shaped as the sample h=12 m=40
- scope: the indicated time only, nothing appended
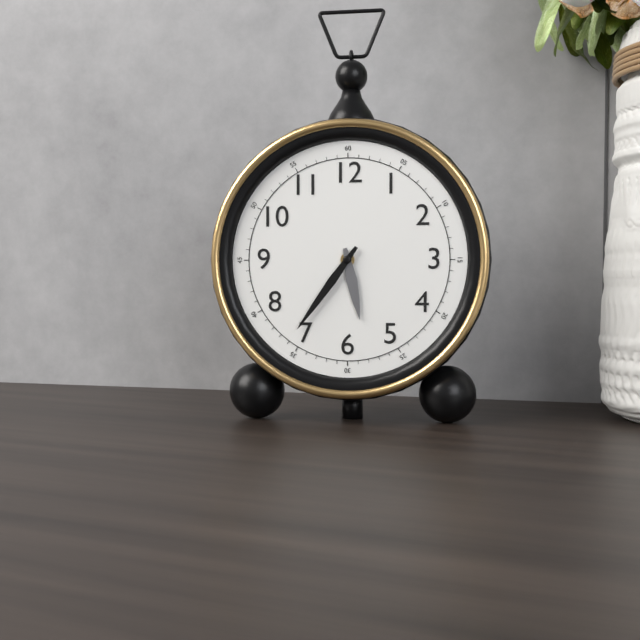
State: h=5 m=36
